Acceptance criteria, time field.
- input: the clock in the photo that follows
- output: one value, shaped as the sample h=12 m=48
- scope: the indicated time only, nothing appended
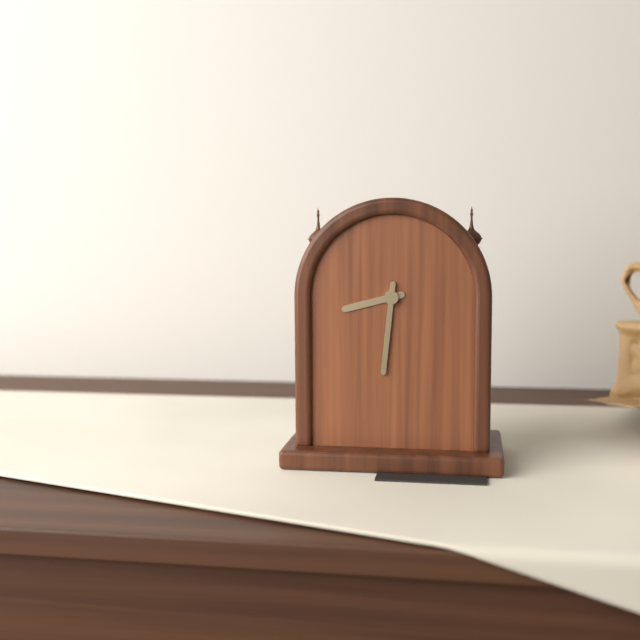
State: h=8 m=31
